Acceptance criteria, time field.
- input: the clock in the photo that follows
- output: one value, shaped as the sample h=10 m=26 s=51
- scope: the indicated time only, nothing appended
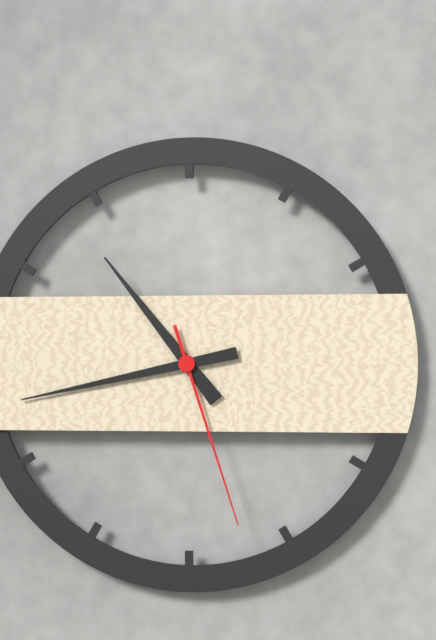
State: h=10 m=43 s=27
